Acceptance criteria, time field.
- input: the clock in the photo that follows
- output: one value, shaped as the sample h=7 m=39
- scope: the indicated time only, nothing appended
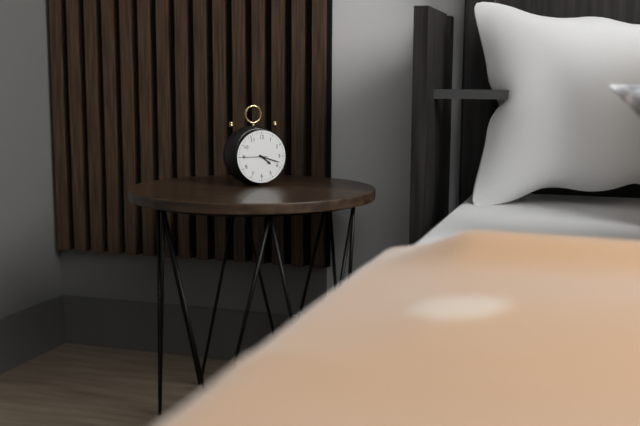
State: h=4 m=18
